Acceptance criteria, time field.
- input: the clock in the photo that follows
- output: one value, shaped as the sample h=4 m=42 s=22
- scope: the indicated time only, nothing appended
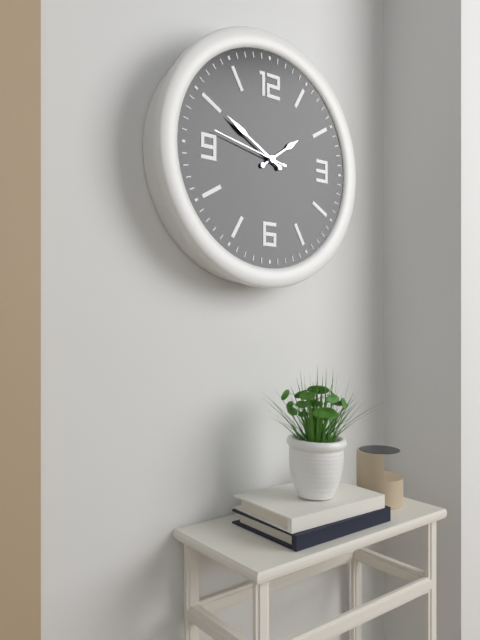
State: h=1 m=50 s=47
